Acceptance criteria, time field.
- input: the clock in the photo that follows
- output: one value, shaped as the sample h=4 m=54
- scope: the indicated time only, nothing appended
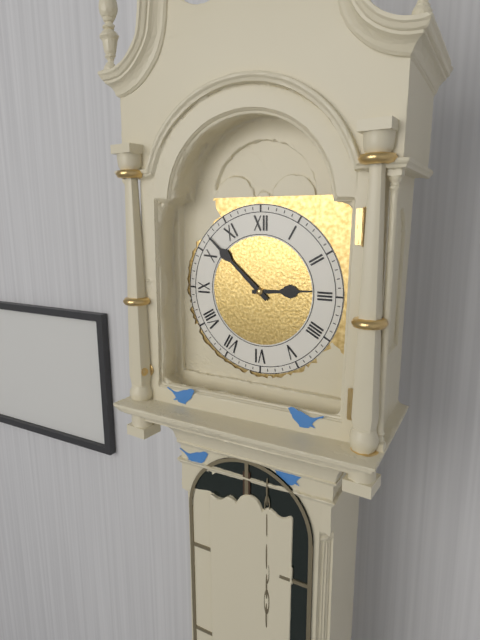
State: h=2 m=52
